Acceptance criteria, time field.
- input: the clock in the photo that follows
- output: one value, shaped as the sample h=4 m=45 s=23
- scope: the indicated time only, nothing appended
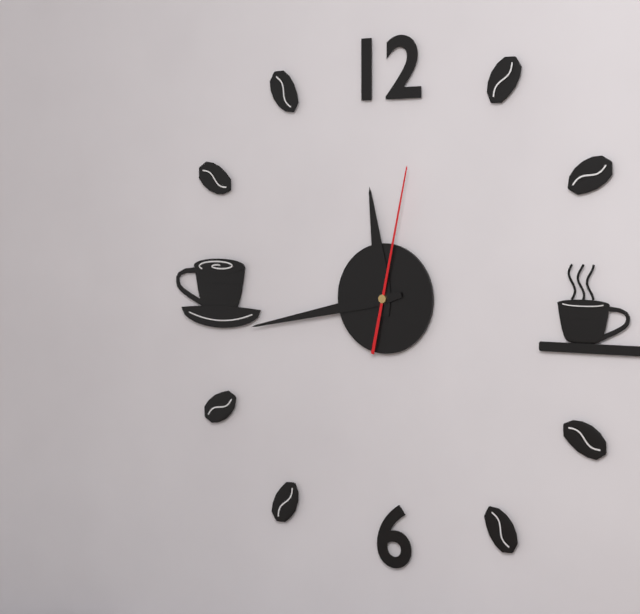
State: h=11 m=43 s=2
